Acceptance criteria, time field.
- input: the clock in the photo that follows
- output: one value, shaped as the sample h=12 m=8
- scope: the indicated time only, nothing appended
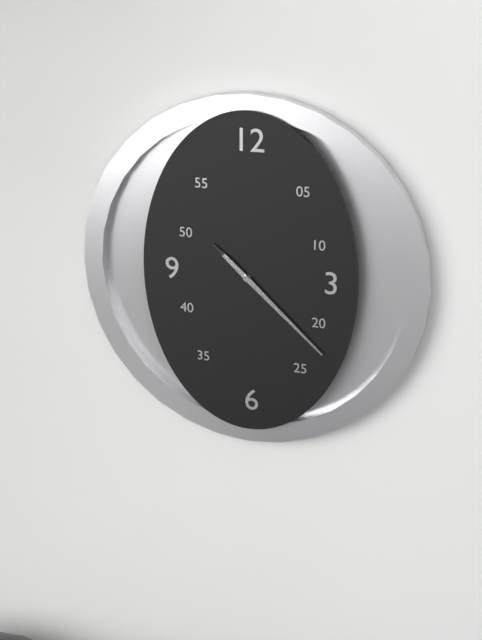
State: h=10 m=22
